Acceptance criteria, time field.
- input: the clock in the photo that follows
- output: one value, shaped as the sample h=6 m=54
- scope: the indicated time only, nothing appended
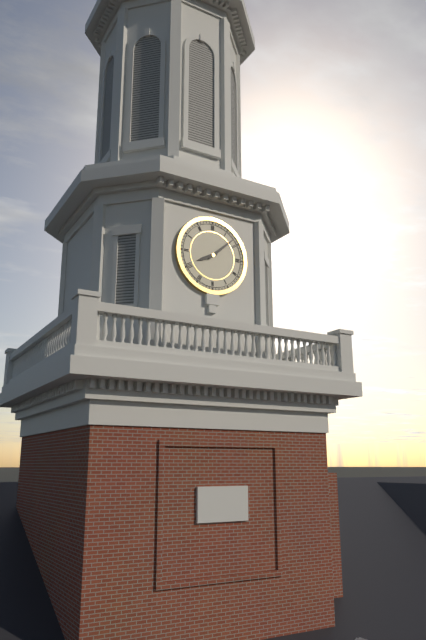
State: h=8 m=8
